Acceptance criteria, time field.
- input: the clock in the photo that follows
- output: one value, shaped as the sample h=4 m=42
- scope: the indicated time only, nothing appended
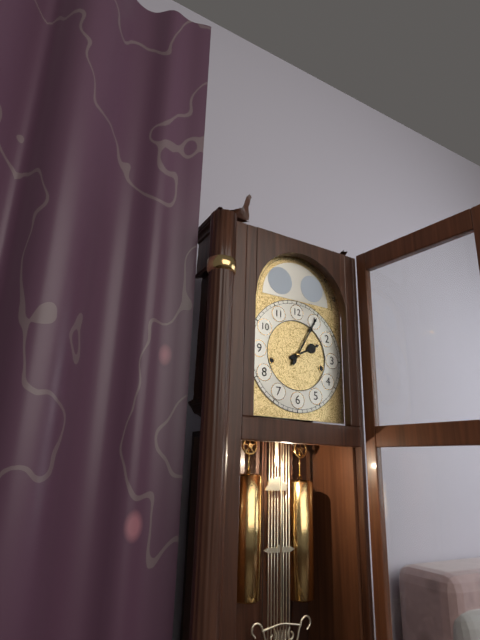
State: h=2 m=5
